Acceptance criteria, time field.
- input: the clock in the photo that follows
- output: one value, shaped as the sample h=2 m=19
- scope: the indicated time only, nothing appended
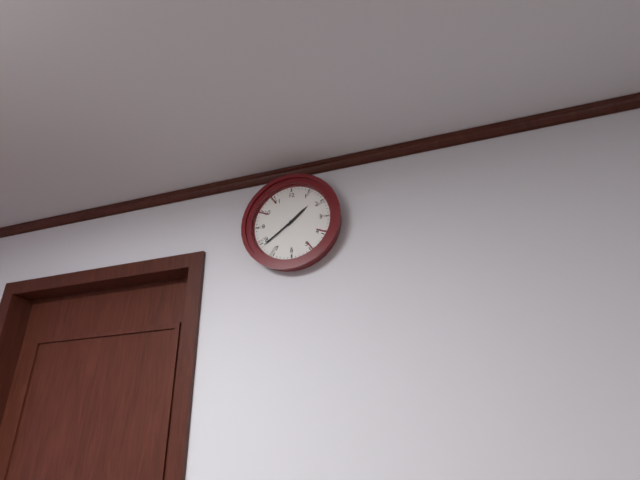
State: h=1 m=39
